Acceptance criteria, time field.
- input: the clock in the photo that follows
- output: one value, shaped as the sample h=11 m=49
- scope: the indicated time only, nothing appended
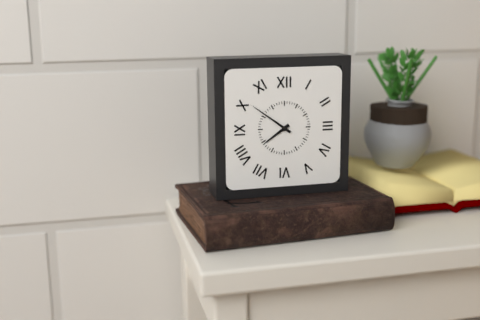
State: h=7 m=51
